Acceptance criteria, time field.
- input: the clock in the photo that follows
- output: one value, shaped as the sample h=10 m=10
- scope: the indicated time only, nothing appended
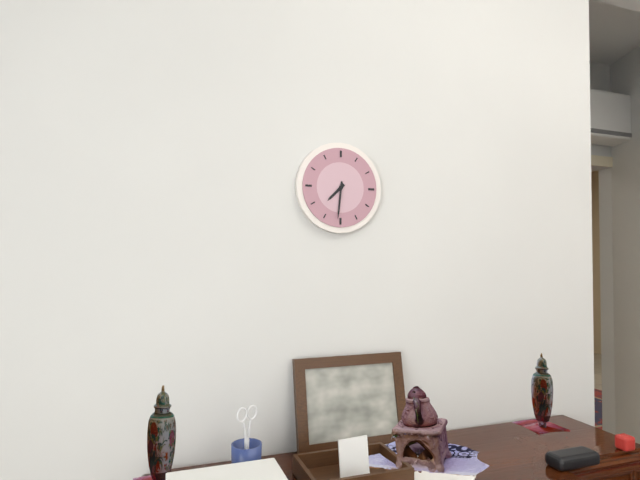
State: h=7 m=31
